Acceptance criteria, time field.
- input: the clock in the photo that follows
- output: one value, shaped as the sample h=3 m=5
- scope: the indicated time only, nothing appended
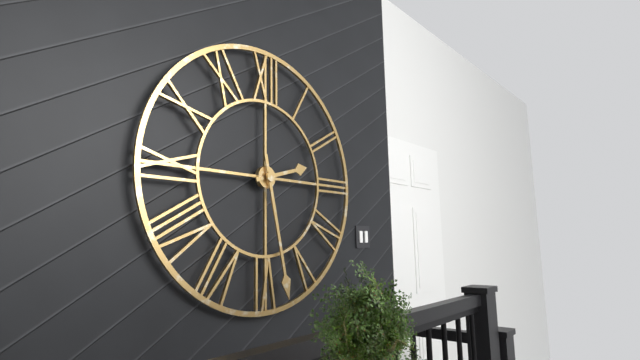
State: h=2 m=28
